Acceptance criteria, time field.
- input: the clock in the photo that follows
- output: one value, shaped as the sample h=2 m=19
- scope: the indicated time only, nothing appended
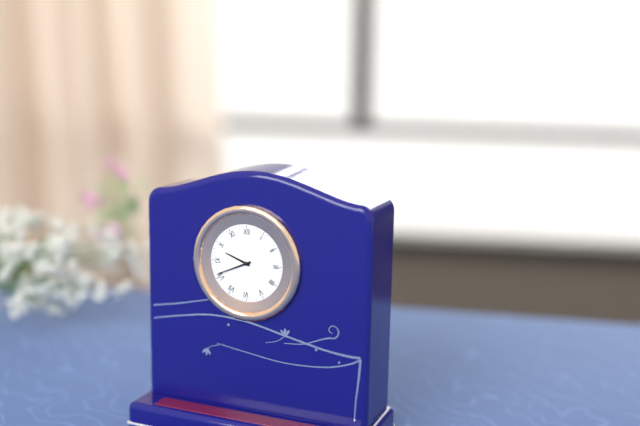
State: h=9 m=41
